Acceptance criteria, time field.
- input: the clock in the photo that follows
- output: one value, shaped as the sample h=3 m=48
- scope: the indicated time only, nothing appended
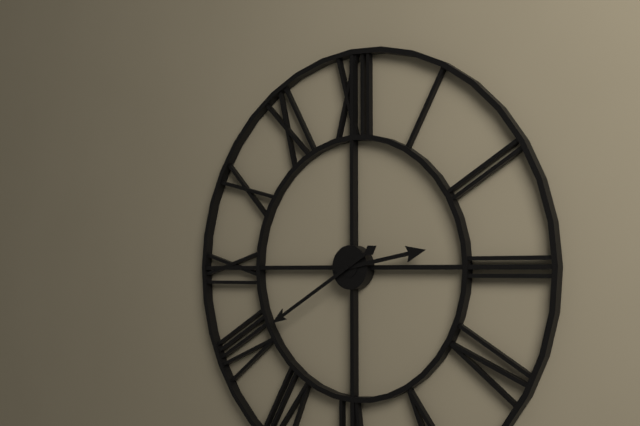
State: h=2 m=40
